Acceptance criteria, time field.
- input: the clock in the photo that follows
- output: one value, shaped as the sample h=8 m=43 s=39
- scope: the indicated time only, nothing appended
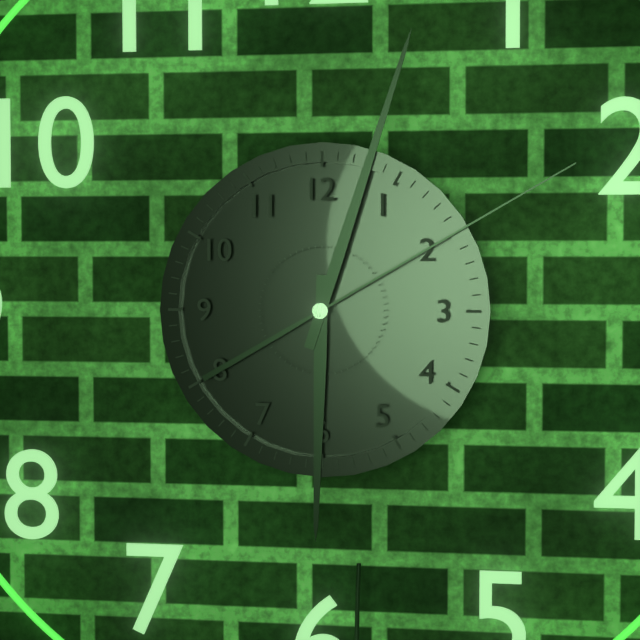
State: h=6 m=3 s=10
